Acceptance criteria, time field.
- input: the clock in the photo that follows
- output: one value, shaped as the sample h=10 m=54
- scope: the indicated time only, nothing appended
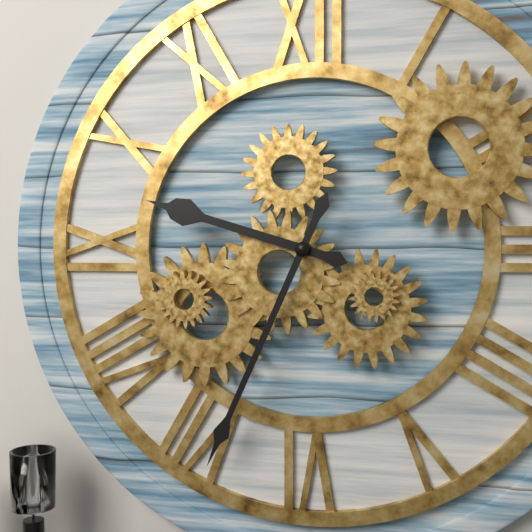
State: h=9 m=34
